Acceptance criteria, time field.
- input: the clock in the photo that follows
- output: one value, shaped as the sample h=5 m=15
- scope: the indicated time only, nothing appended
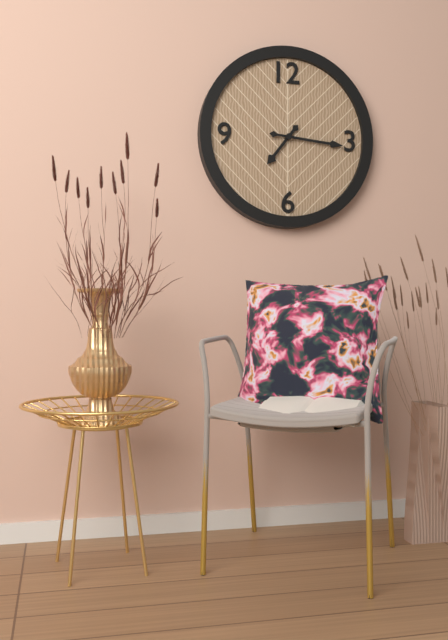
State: h=7 m=16
